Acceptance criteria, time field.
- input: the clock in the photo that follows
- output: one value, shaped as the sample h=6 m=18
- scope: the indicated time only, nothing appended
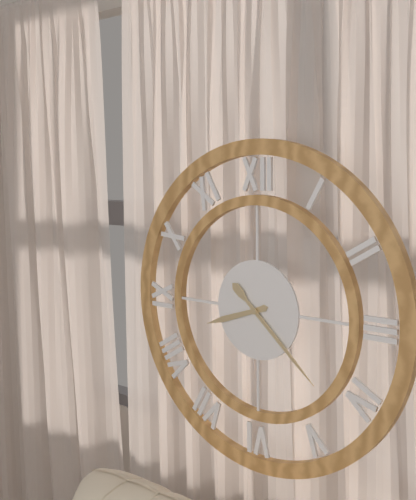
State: h=8 m=22
